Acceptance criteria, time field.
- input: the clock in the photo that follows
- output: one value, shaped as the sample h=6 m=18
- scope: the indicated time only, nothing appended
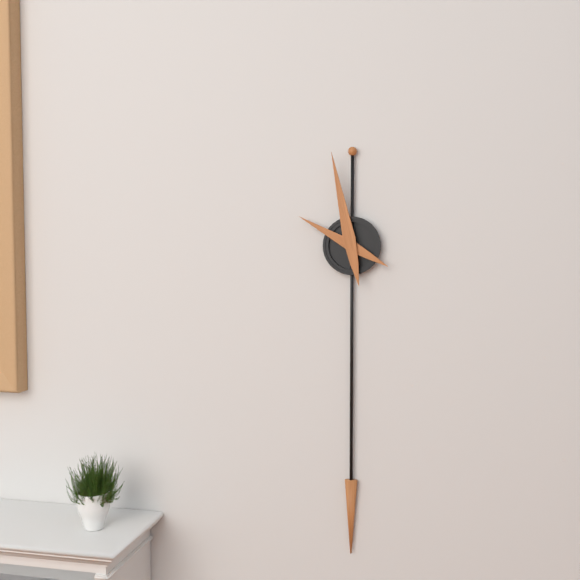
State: h=9 m=58
